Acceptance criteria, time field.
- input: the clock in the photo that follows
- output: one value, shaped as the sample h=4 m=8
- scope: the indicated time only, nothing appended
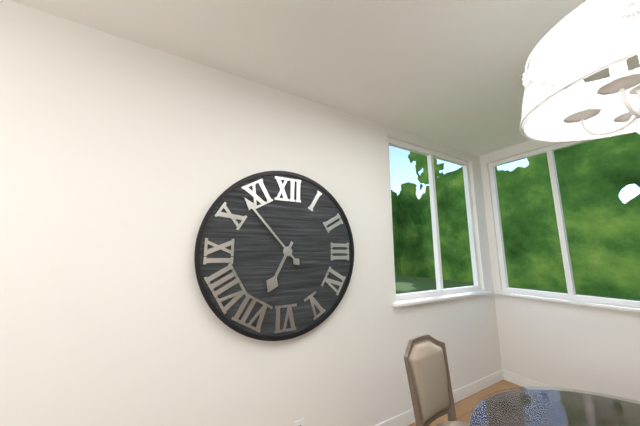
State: h=6 m=53
